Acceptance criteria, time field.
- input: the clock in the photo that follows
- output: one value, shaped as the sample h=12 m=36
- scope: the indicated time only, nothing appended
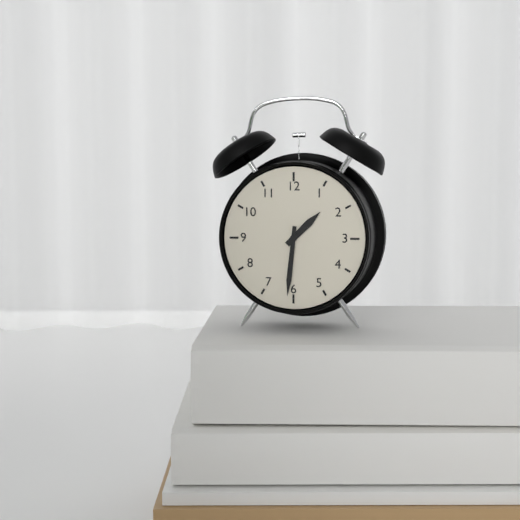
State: h=1 m=31
